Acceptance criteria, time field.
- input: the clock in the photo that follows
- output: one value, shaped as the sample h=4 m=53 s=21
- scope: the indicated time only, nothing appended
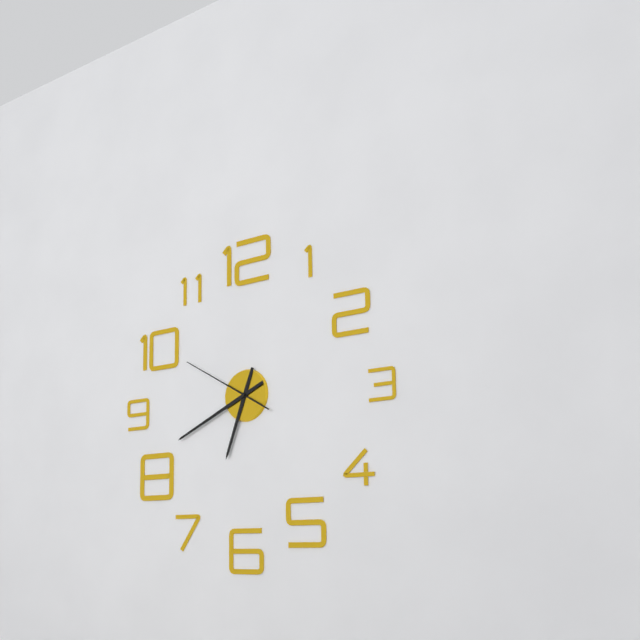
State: h=6 m=41 s=50
